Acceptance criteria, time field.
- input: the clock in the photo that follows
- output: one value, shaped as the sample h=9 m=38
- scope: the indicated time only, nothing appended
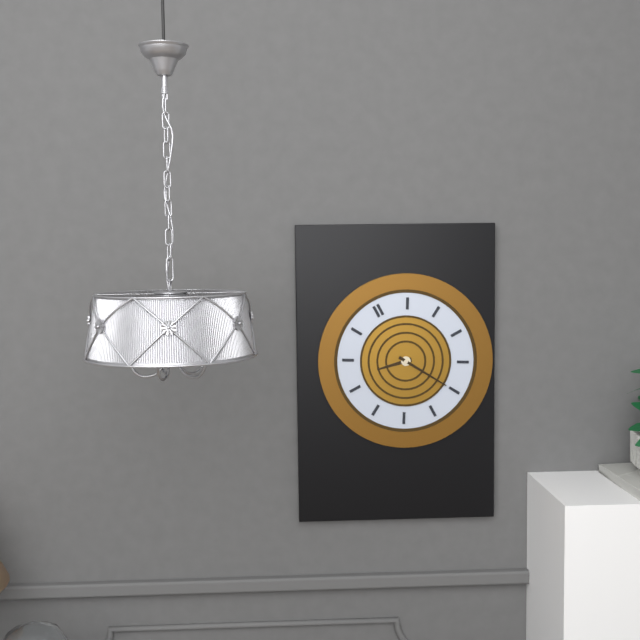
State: h=9 m=25
